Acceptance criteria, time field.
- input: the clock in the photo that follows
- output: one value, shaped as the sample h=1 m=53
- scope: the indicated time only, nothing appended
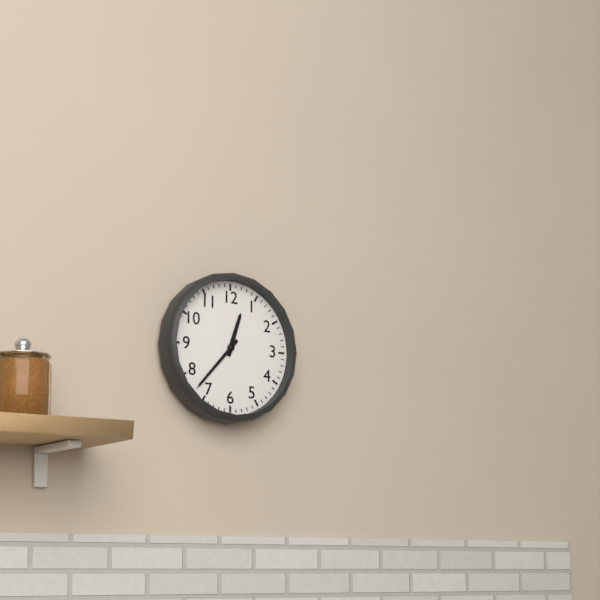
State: h=12 m=37
